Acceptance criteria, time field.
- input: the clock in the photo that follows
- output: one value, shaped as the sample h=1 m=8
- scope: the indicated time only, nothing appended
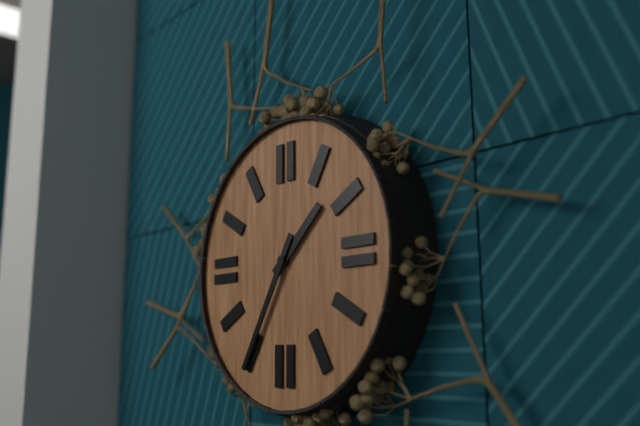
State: h=1 m=35
